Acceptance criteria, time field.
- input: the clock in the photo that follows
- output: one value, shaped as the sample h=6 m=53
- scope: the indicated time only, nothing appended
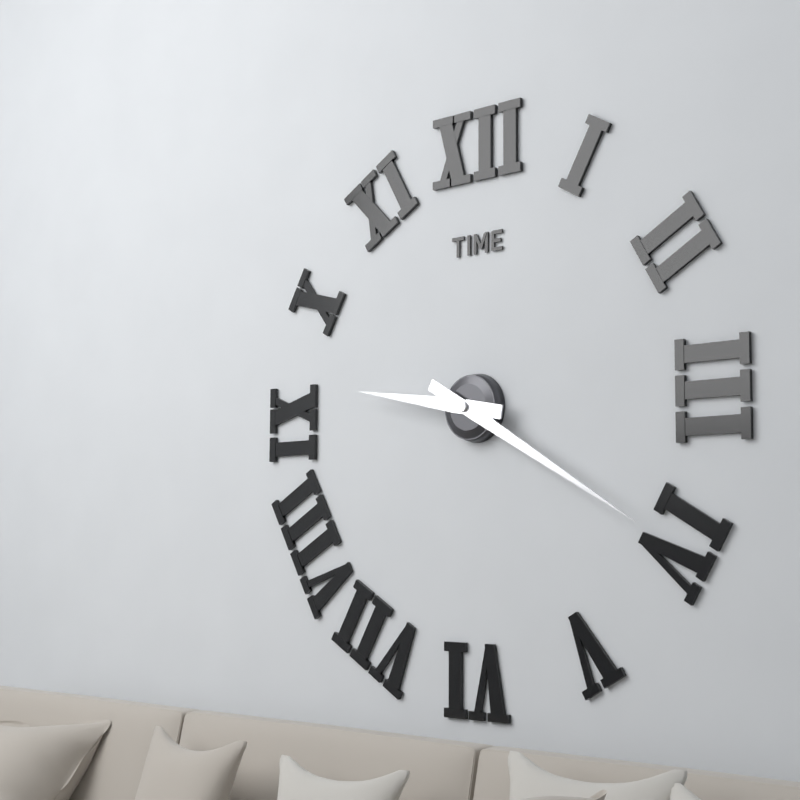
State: h=9 m=20
